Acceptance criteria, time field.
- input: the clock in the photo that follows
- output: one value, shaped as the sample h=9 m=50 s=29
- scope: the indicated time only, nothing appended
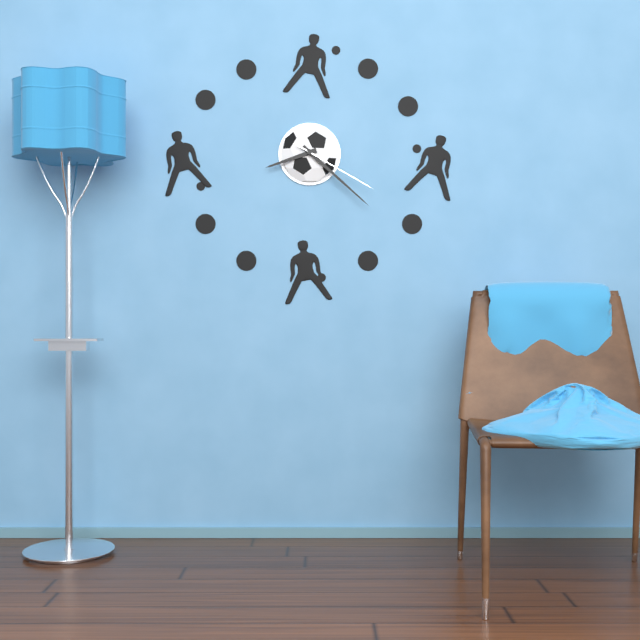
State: h=8 m=22 s=20
